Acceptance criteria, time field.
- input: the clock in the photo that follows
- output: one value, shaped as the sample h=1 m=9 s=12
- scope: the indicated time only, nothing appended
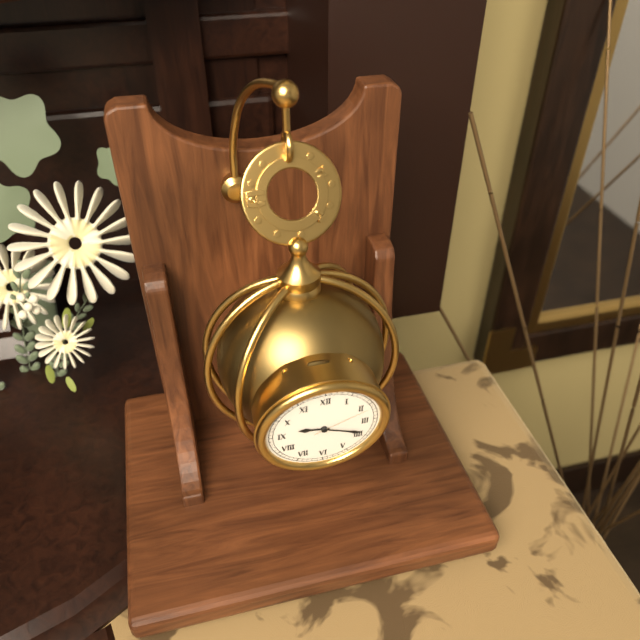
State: h=9 m=19 s=11
